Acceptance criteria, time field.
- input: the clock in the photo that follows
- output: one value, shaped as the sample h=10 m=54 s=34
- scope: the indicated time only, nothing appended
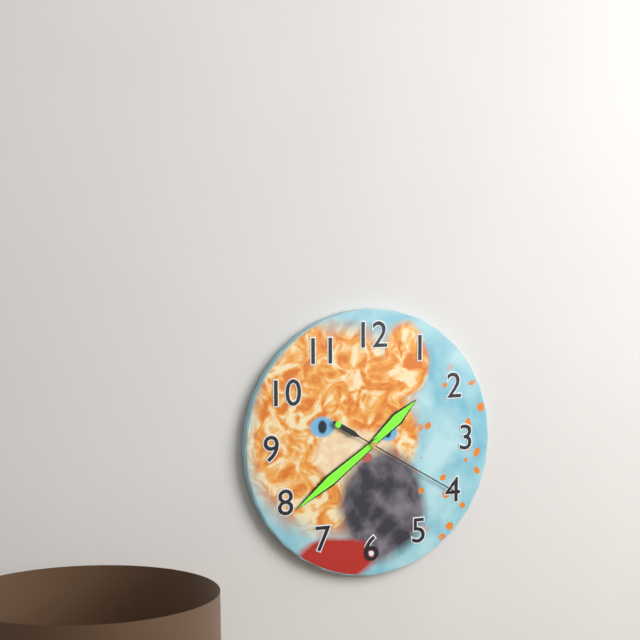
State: h=1 m=39 s=20
